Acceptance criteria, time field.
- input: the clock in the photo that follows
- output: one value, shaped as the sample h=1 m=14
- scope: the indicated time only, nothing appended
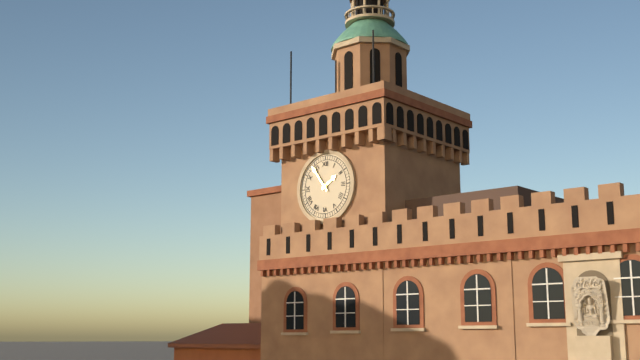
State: h=1 m=54
